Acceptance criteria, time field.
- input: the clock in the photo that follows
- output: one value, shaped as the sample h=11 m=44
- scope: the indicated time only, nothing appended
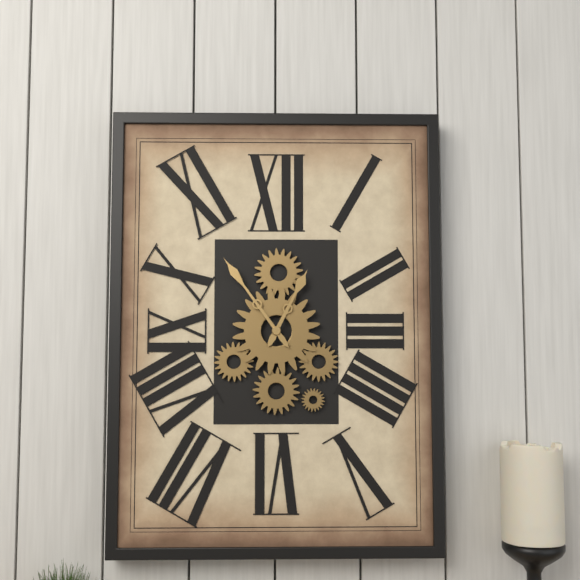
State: h=12 m=54
